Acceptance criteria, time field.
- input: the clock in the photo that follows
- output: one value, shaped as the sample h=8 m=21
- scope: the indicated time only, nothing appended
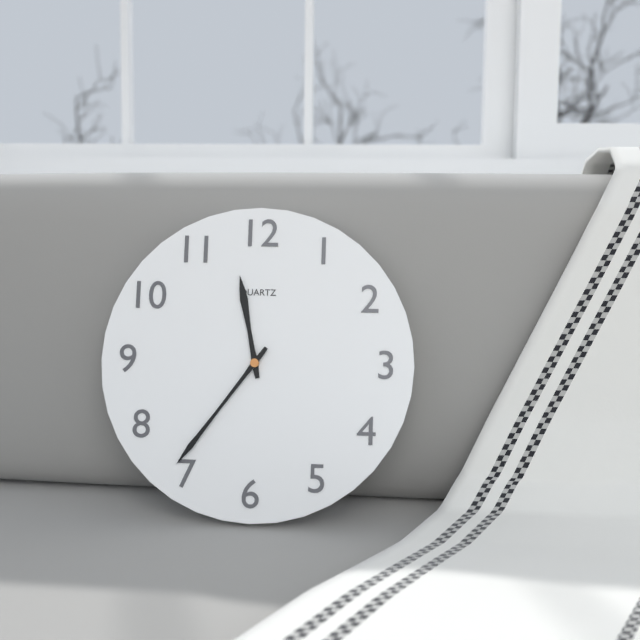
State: h=11 m=36
